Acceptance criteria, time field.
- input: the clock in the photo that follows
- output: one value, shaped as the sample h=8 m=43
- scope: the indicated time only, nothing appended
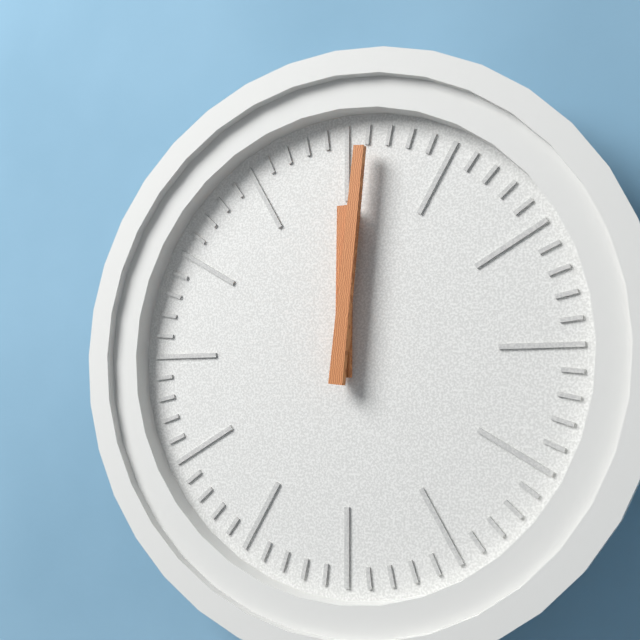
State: h=12 m=1
